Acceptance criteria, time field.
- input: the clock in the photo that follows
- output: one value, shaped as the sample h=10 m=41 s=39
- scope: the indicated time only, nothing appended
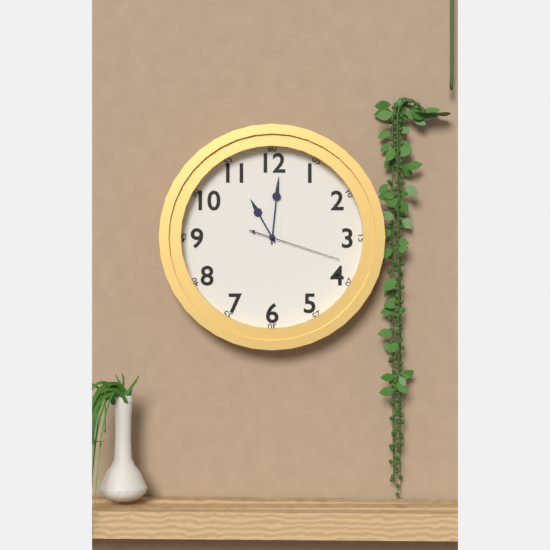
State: h=11 m=1 s=18
